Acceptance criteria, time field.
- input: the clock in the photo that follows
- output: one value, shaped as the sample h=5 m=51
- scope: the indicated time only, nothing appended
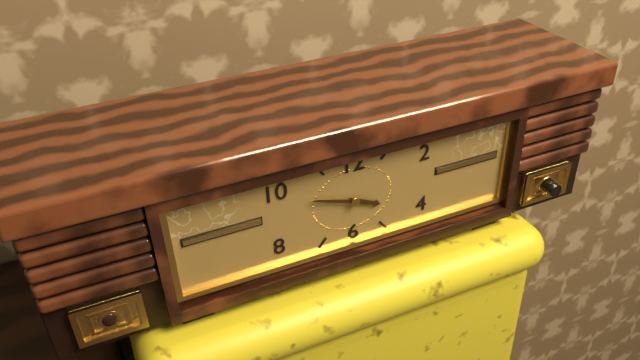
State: h=3 m=48
